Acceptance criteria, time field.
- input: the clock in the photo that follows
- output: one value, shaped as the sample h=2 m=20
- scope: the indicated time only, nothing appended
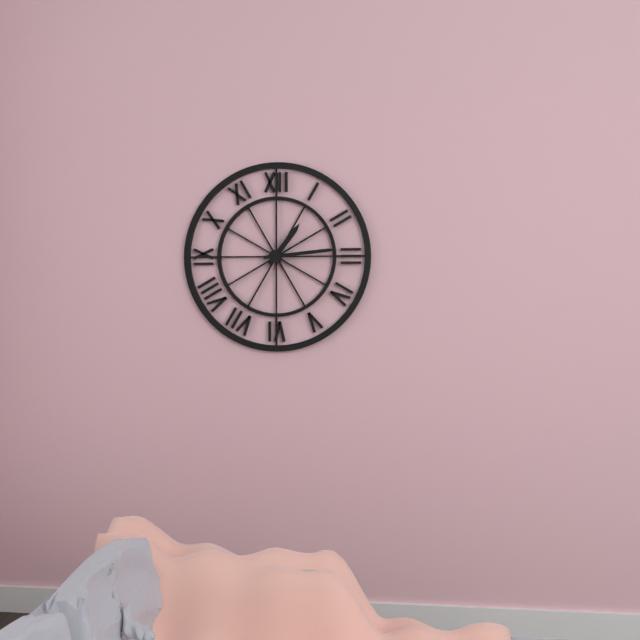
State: h=1 m=14
